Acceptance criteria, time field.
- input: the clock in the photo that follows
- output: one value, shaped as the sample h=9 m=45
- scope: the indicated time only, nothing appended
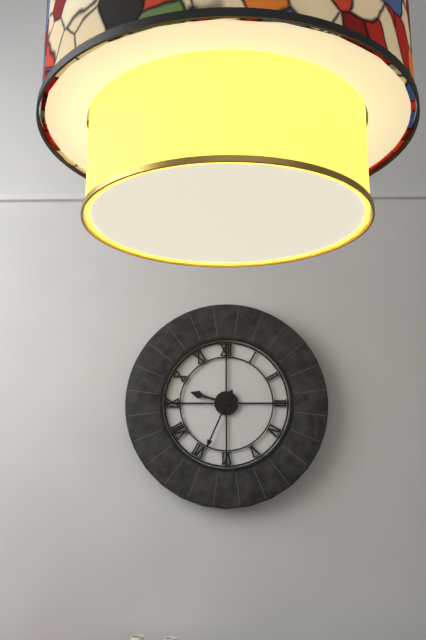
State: h=9 m=34
